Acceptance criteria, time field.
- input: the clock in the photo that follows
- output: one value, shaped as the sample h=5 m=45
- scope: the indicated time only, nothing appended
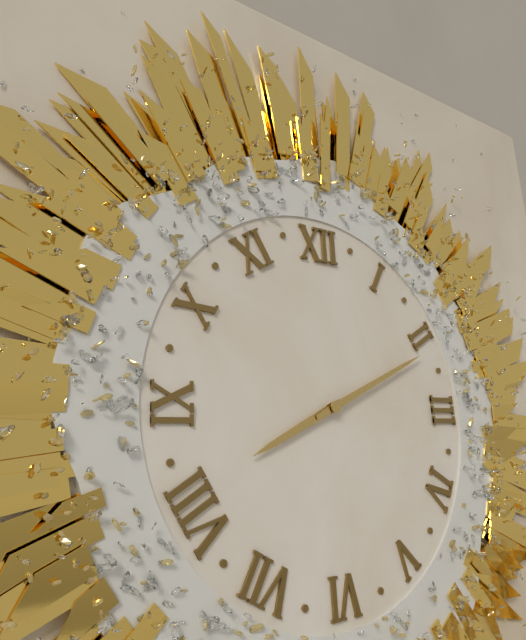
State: h=8 m=11
